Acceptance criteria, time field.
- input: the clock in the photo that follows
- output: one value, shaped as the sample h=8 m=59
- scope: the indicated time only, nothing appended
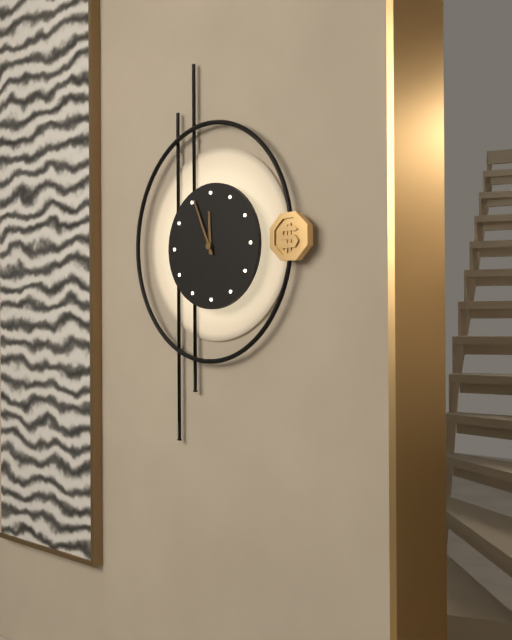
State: h=11 m=56
